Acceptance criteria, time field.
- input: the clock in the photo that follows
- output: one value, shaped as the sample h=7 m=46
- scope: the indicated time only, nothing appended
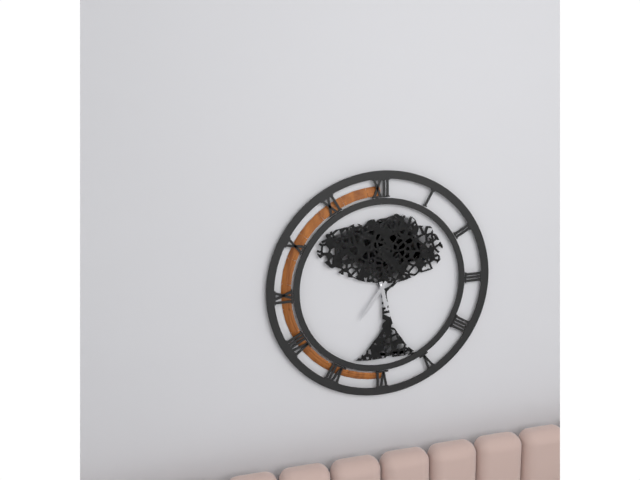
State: h=5 m=36
